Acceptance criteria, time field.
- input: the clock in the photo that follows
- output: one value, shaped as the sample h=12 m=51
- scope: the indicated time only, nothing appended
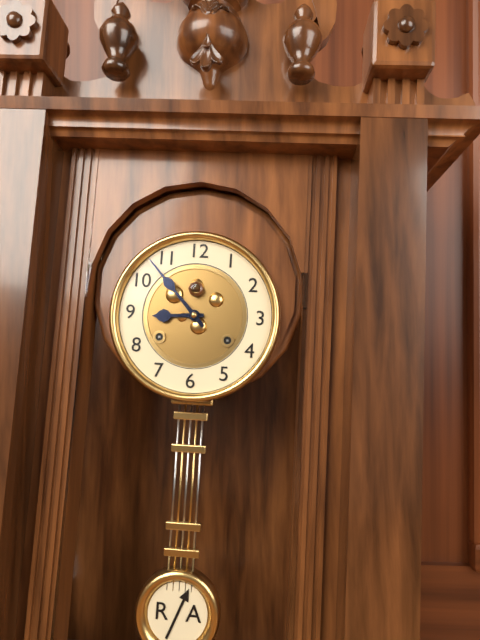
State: h=8 m=53
